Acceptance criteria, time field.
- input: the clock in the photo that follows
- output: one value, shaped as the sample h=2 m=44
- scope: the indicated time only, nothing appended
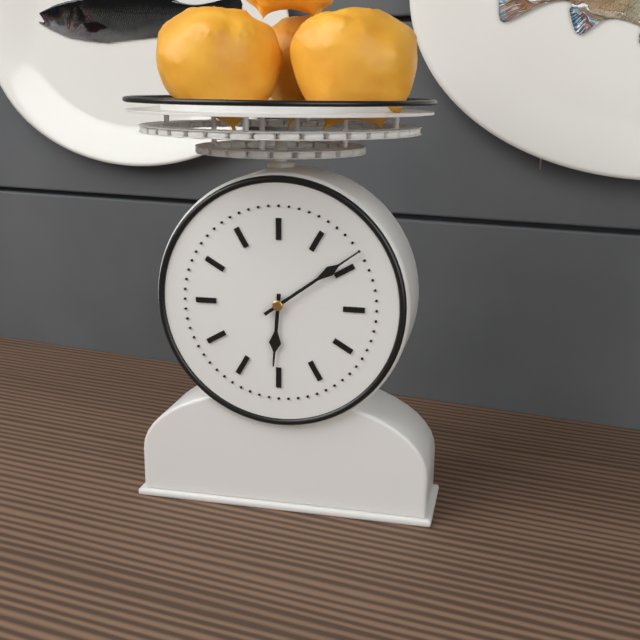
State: h=6 m=9
